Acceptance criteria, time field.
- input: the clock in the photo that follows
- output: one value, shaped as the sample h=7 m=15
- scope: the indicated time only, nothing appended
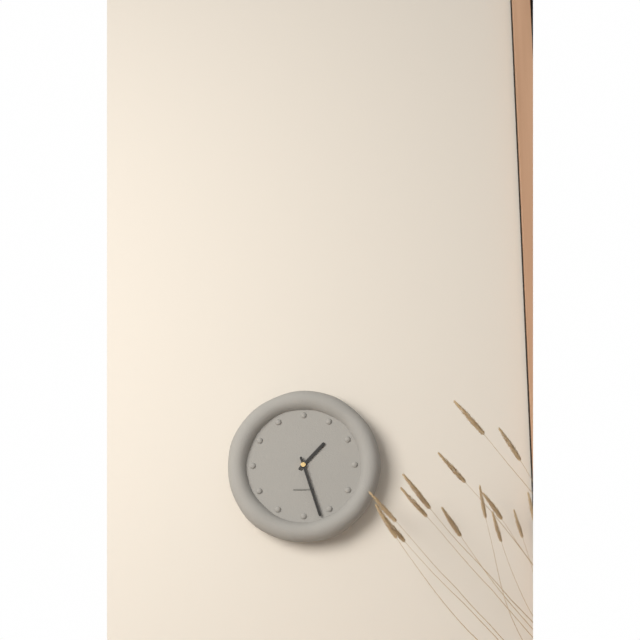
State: h=1 m=27
